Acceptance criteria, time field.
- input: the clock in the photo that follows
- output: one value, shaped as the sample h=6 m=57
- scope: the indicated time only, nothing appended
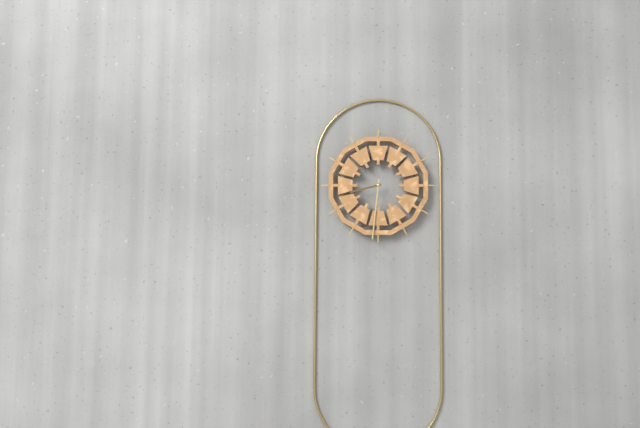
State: h=8 m=31
